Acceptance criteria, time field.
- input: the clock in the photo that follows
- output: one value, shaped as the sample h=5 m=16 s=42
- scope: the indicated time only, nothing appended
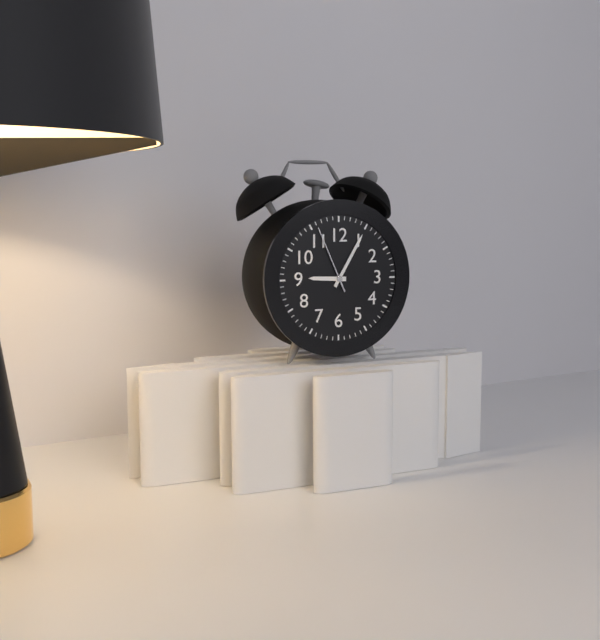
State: h=9 m=5 s=56
